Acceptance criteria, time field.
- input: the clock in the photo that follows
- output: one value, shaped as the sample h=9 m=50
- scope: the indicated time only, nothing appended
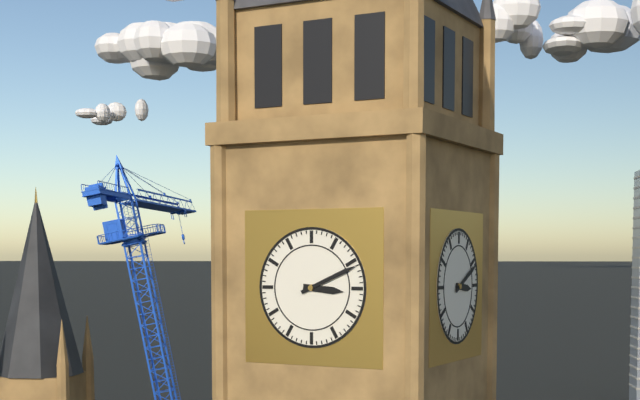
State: h=3 m=11
